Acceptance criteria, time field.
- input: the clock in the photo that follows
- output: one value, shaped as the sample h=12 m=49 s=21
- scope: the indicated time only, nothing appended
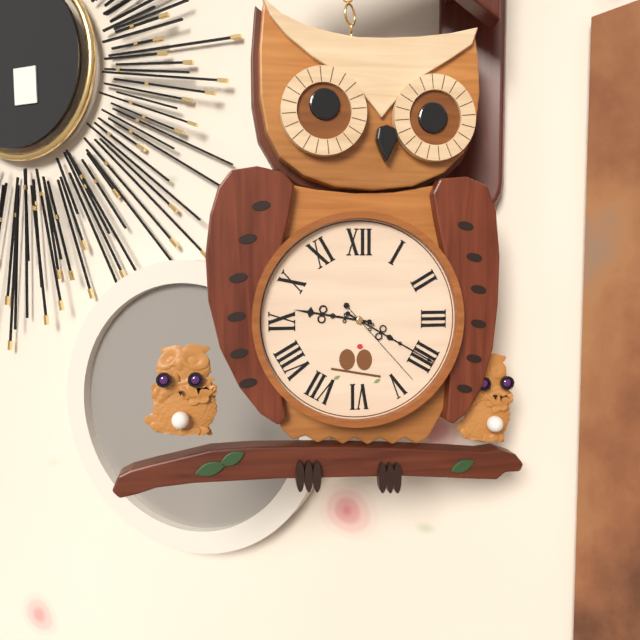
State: h=9 m=20 s=23
